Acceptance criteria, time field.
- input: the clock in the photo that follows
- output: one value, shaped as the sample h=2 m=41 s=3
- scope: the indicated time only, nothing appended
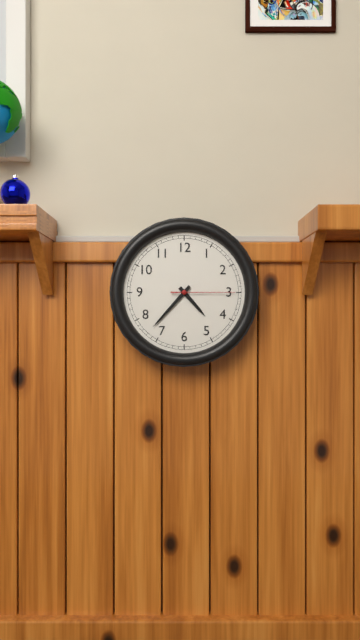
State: h=4 m=37 s=15
